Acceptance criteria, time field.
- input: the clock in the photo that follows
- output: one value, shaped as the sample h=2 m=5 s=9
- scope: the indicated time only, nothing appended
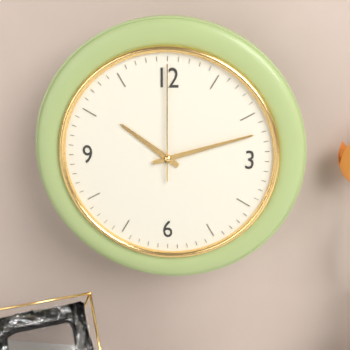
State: h=10 m=12 s=0
